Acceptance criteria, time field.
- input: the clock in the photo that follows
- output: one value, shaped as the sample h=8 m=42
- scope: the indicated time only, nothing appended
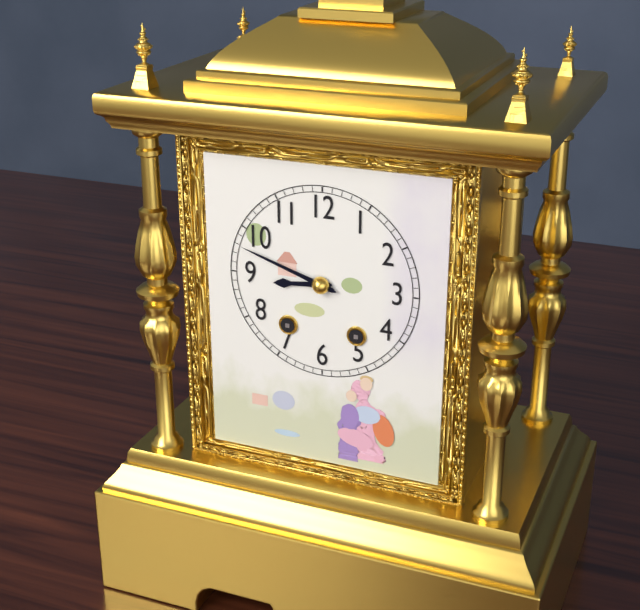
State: h=8 m=48
